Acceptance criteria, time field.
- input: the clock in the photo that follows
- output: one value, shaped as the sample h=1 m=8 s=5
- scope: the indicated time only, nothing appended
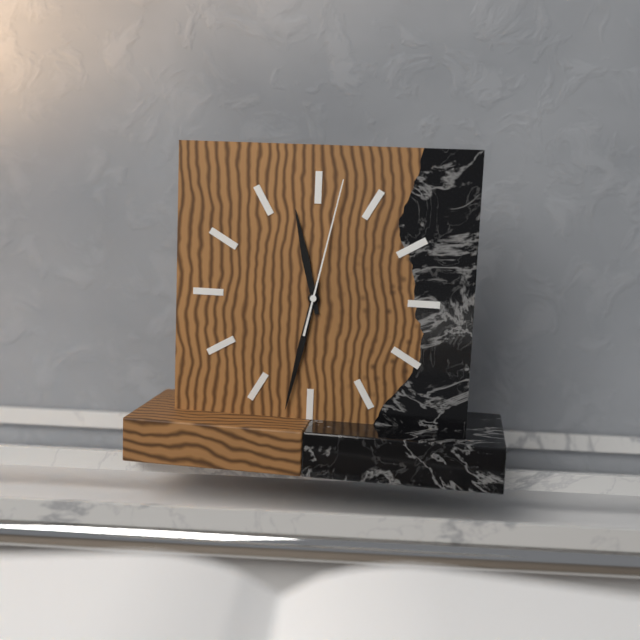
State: h=11 m=32 s=2
